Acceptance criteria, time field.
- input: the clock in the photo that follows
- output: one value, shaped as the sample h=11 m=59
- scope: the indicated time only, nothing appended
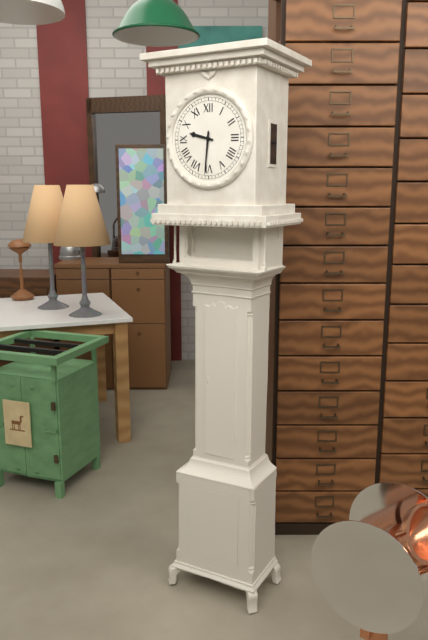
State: h=9 m=31
